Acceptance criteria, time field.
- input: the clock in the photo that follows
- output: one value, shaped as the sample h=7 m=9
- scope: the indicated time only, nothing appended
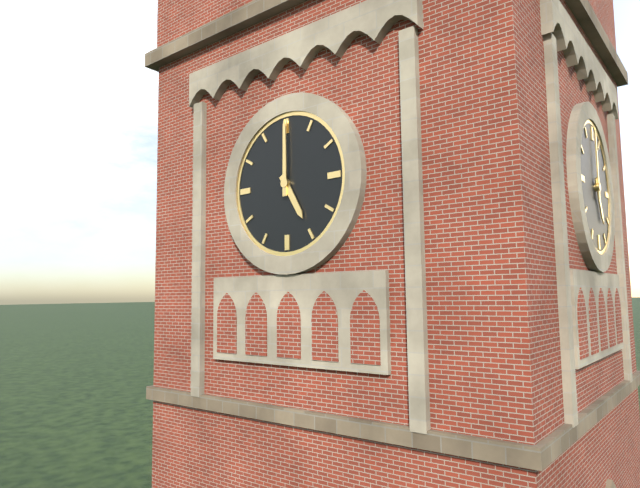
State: h=5 m=0
